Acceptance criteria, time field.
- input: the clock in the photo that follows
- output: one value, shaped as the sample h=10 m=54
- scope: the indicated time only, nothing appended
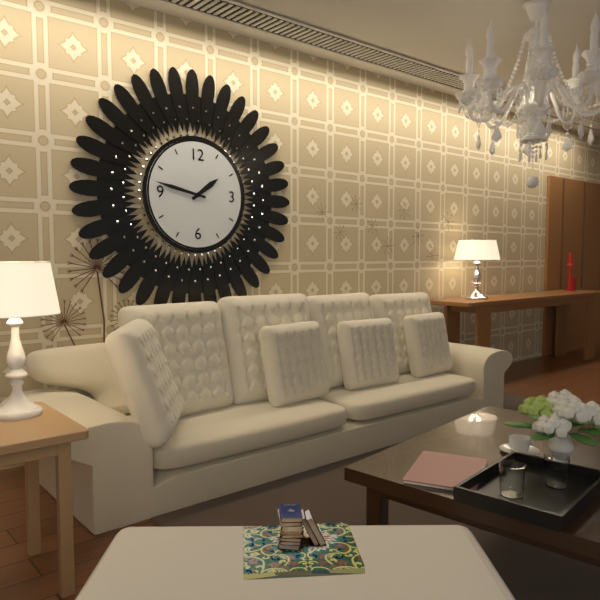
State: h=1 m=47
